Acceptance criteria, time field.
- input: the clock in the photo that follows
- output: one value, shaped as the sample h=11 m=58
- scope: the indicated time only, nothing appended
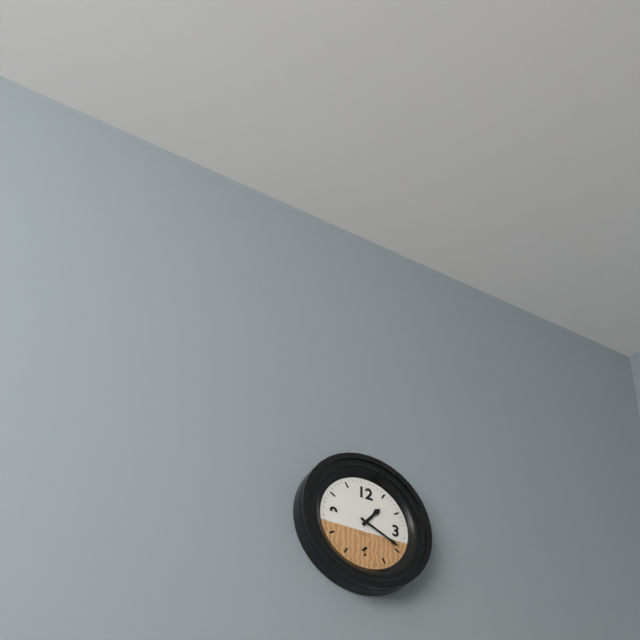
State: h=1 m=19
